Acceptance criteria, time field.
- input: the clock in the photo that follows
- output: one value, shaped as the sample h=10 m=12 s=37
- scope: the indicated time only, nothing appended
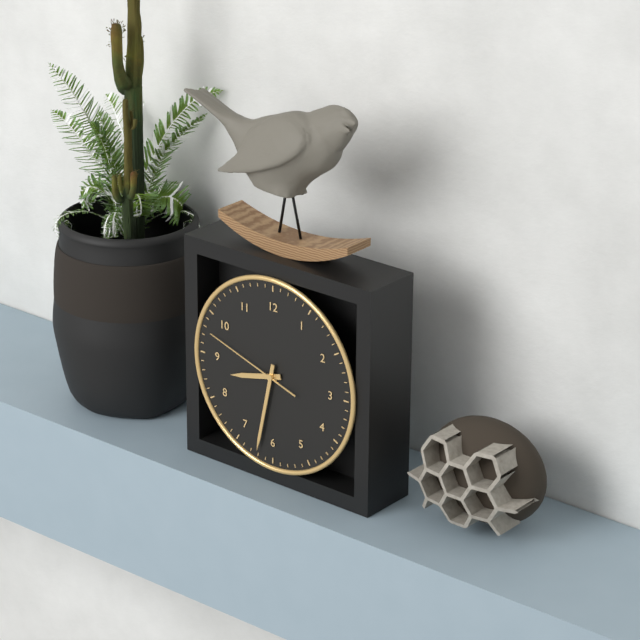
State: h=8 m=32 s=48
